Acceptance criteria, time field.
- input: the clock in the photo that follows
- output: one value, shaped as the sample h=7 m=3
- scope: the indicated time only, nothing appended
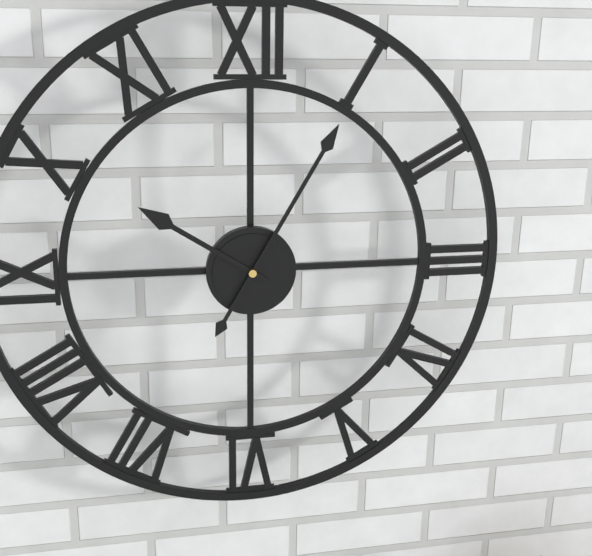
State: h=10 m=5
